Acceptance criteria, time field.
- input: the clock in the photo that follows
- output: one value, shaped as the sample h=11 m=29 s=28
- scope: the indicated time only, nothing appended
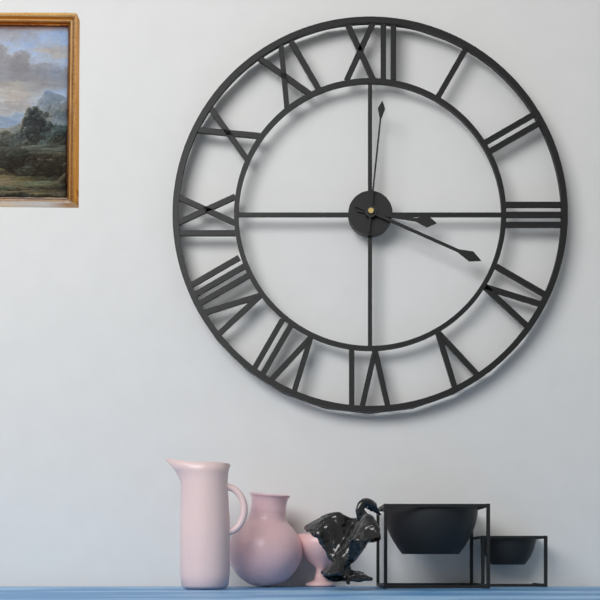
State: h=3 m=19 s=1
